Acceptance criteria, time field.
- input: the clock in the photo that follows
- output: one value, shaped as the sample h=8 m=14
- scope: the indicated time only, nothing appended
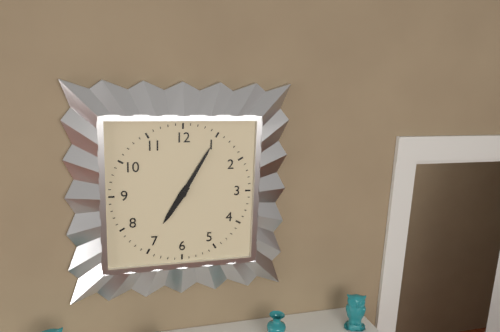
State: h=7 m=5
